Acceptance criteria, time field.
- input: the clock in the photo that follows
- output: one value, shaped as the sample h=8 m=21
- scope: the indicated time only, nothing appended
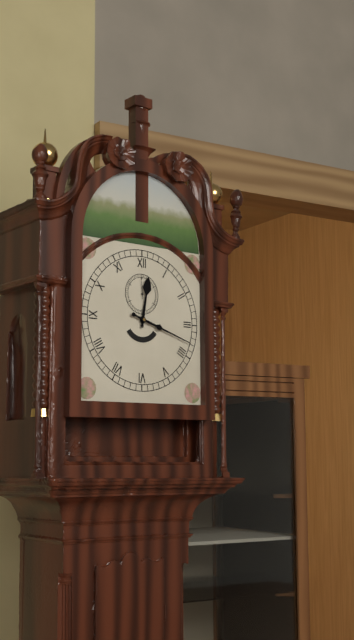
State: h=12 m=18
